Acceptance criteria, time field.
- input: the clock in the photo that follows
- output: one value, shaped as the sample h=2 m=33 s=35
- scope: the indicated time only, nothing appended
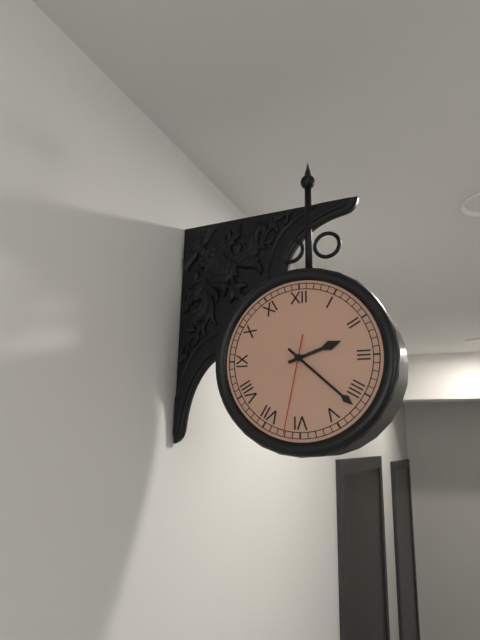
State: h=2 m=22 s=32
